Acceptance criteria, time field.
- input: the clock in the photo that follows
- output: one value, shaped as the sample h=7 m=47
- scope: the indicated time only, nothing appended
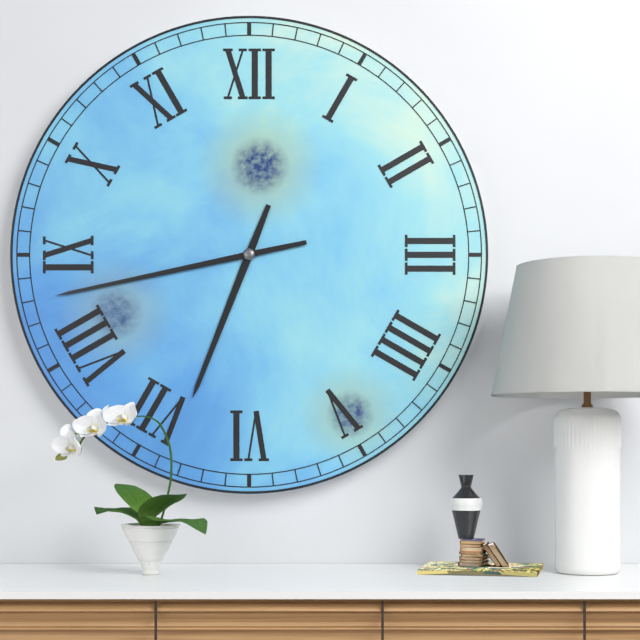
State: h=6 m=43
